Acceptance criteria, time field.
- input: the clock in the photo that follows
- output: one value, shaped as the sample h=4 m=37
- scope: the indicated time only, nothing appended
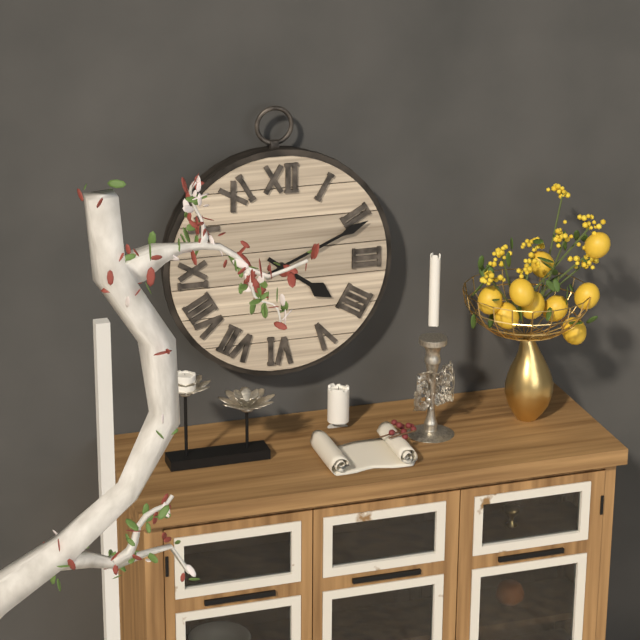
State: h=4 m=11
